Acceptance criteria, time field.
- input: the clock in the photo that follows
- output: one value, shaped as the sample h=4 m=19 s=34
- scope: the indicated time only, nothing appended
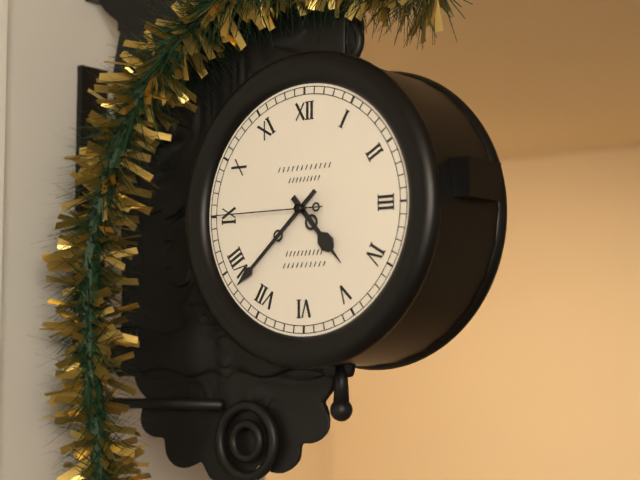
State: h=4 m=38 s=45
